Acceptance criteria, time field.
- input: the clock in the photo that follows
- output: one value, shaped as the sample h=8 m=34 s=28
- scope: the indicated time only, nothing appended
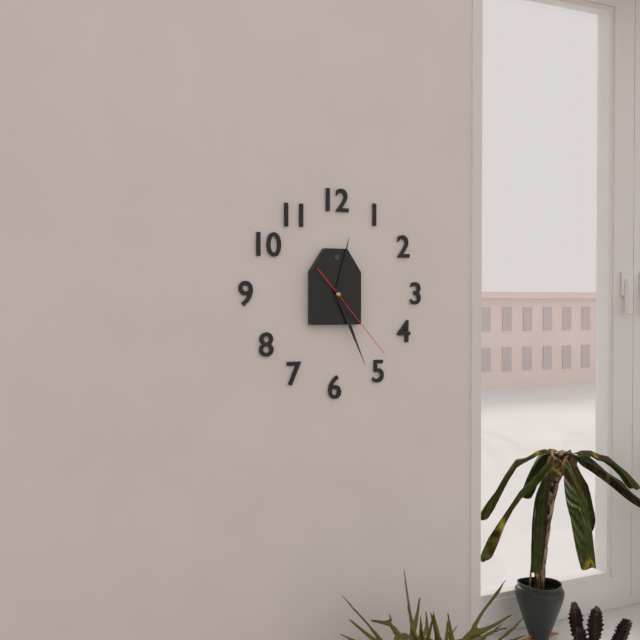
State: h=12 m=26 s=23
